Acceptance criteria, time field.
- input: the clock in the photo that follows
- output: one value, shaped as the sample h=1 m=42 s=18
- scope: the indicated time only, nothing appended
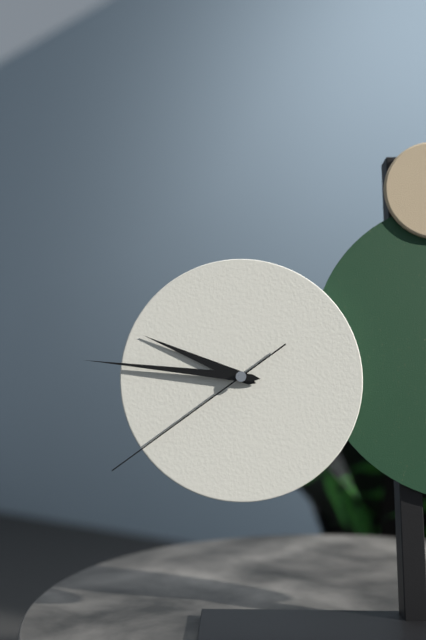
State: h=9 m=46 s=39
